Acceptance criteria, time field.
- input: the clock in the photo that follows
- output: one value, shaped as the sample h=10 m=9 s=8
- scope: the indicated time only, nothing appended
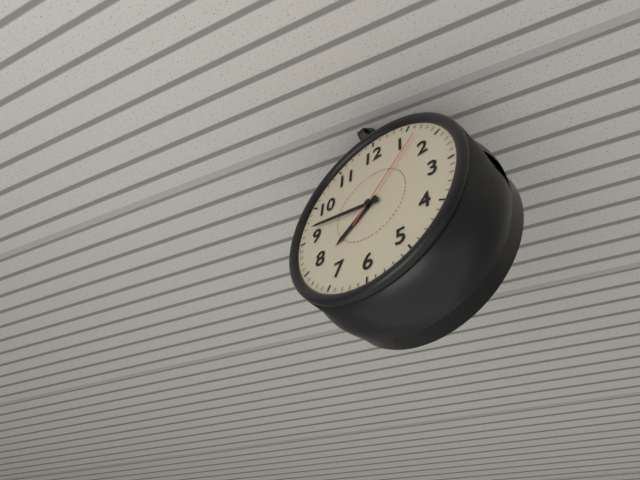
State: h=7 m=47 s=7
